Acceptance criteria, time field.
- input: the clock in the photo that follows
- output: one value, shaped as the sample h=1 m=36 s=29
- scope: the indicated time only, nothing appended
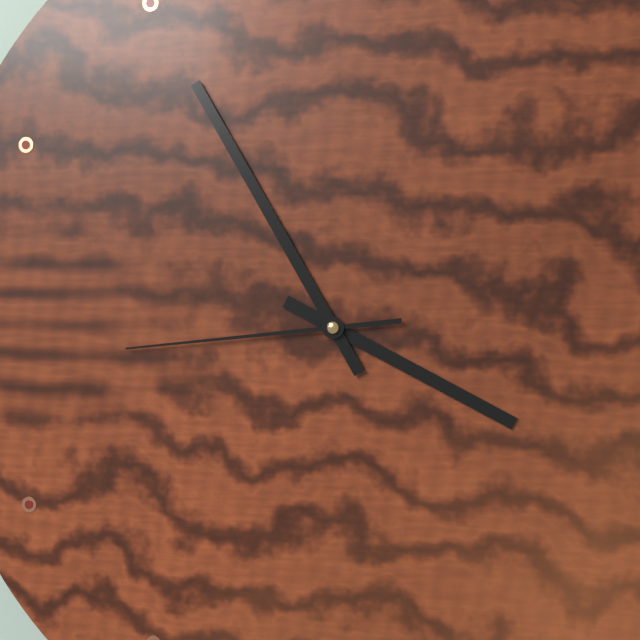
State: h=3 m=55 s=44
